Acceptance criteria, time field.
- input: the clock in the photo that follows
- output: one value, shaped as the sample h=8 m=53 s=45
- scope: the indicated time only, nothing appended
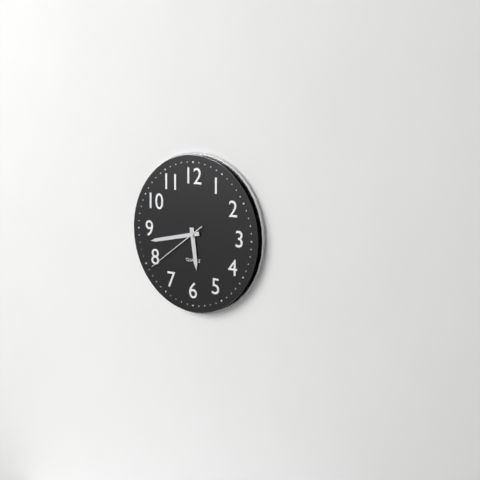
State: h=5 m=43 s=39
